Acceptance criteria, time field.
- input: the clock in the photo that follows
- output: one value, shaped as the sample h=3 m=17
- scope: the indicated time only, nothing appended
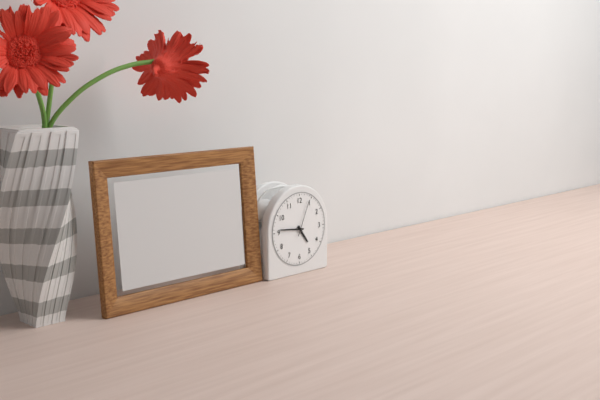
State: h=4 m=46
